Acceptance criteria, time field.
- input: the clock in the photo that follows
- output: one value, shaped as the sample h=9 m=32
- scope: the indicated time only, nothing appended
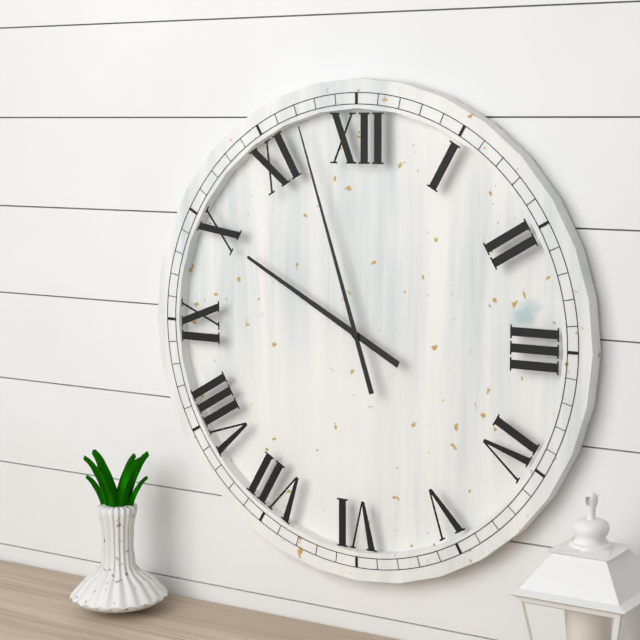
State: h=9 m=57
